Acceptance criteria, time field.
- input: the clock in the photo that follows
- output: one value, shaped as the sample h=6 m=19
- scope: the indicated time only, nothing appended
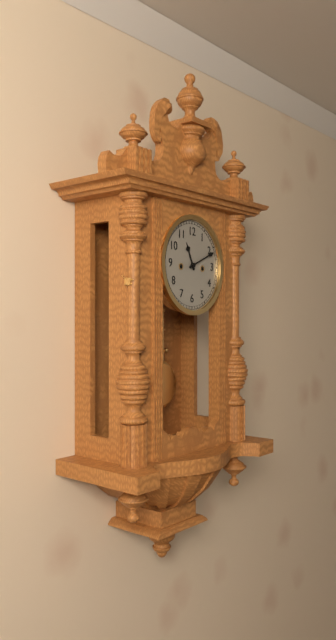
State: h=11 m=11
